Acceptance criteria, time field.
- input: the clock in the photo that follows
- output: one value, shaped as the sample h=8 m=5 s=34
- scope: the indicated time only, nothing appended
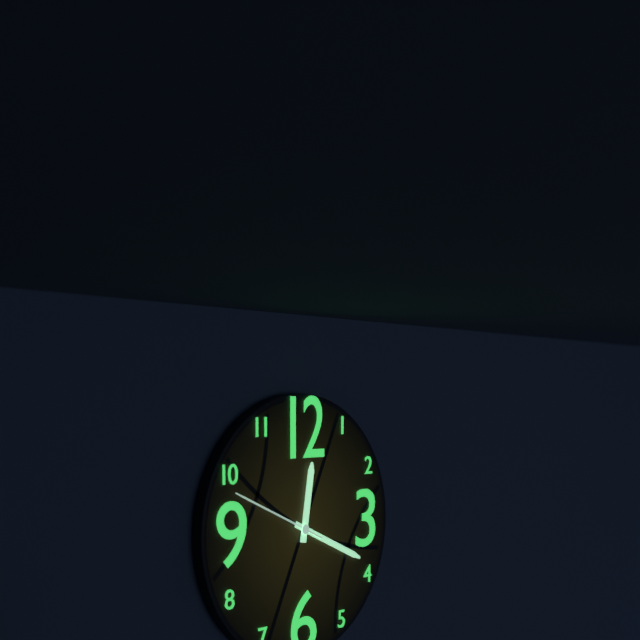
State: h=12 m=19 s=49
